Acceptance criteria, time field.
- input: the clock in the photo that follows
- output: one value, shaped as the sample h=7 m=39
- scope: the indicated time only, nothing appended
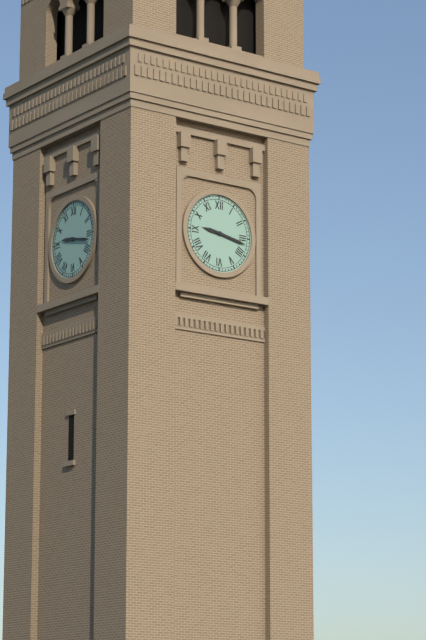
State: h=9 m=17
